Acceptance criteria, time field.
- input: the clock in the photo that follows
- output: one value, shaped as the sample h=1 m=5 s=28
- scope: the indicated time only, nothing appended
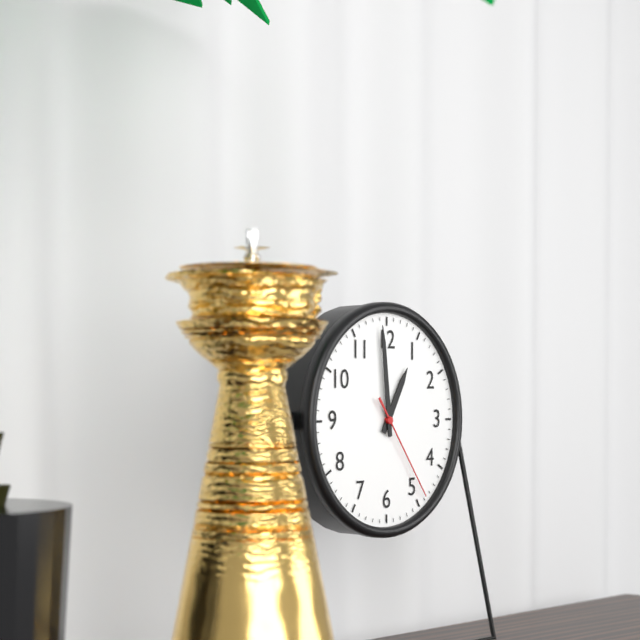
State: h=12 m=59 s=24
